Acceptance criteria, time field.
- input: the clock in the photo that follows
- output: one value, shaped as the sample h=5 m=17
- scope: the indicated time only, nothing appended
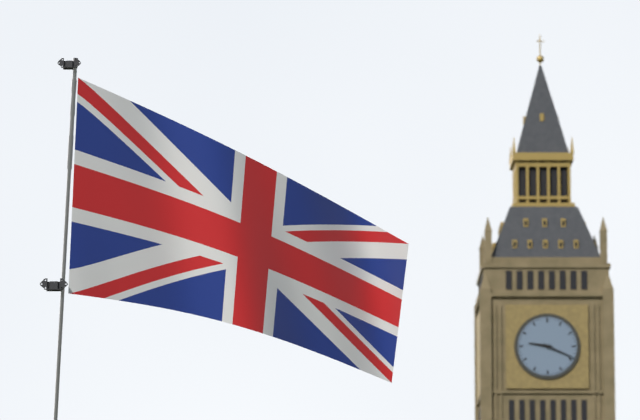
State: h=9 m=19
